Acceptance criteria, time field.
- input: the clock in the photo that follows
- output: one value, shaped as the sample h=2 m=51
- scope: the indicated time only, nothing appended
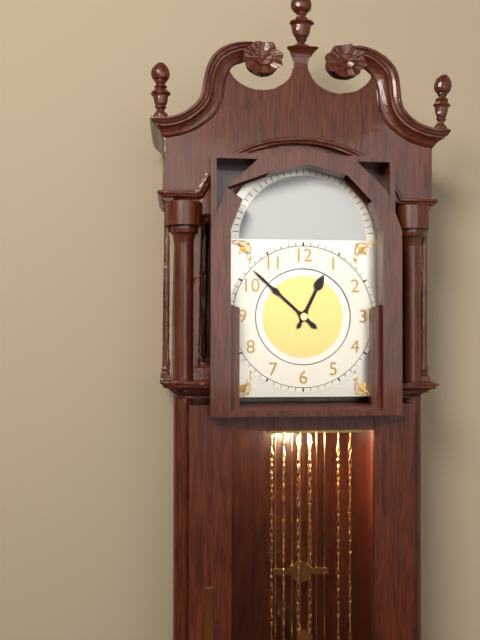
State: h=12 m=52
